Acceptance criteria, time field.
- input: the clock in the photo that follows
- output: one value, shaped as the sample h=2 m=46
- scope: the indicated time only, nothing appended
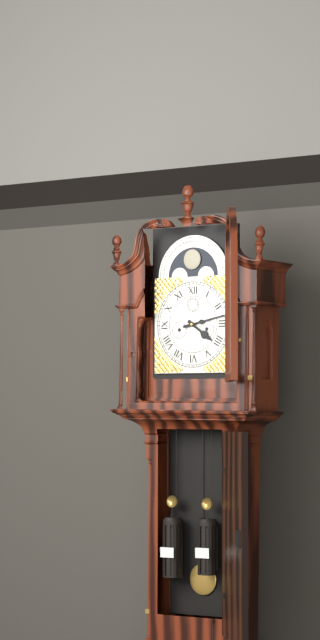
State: h=4 m=13
